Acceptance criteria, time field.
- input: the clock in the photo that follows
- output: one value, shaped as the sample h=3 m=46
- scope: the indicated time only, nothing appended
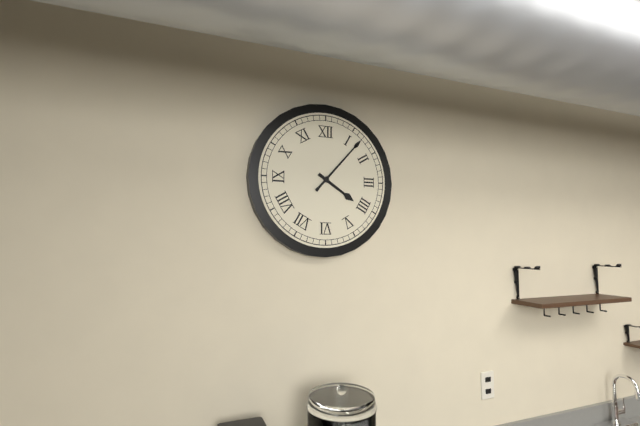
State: h=4 m=7
